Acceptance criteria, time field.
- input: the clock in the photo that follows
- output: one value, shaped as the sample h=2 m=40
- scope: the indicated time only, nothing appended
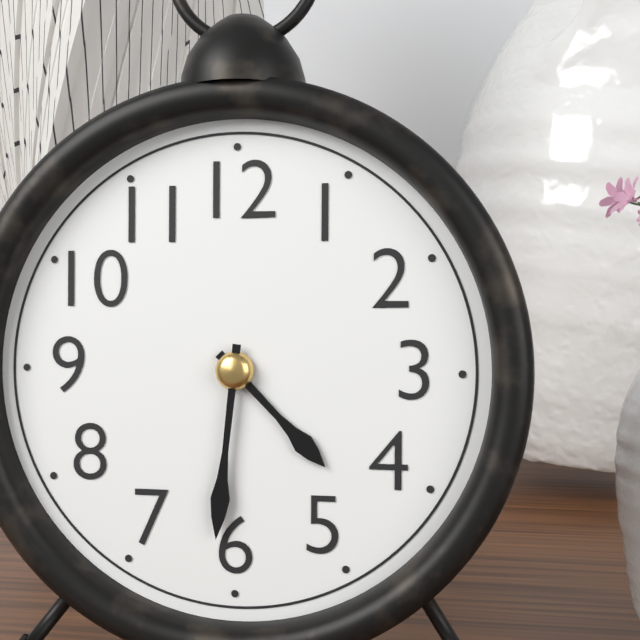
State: h=4 m=31
